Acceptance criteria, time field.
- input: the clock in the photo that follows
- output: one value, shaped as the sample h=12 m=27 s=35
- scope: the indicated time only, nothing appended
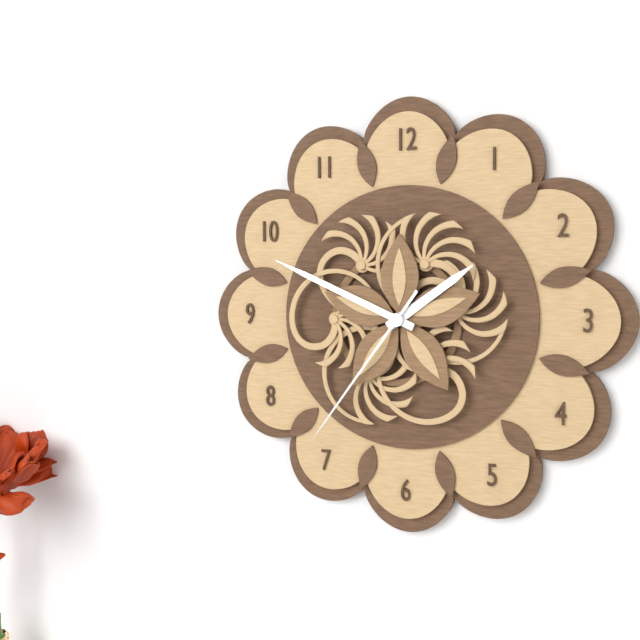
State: h=1 m=49 s=36
